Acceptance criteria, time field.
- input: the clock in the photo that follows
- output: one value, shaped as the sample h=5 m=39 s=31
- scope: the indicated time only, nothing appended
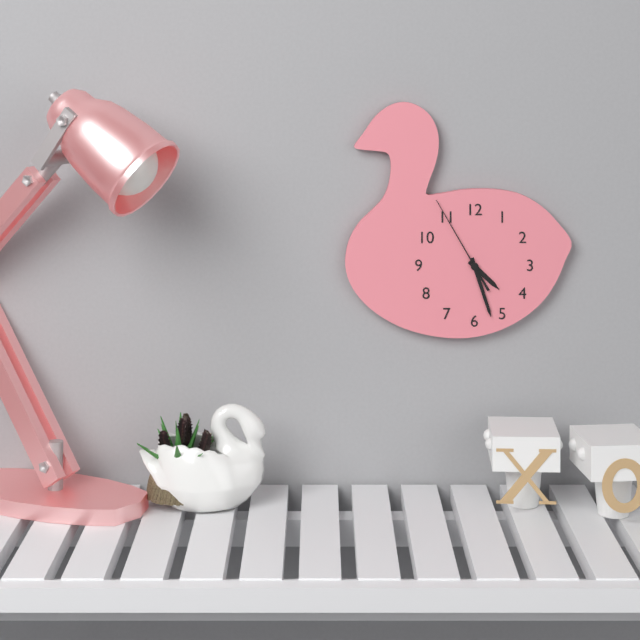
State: h=4 m=27 s=55
